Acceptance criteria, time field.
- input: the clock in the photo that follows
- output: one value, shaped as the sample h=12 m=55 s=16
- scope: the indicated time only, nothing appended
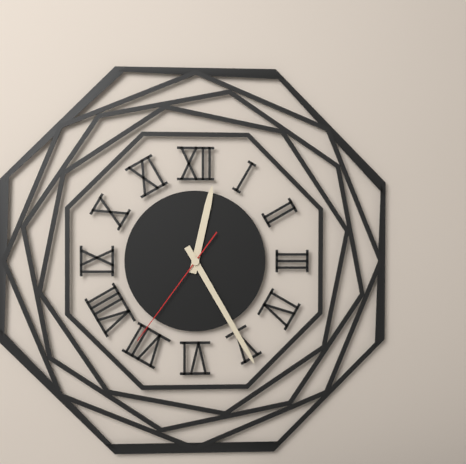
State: h=12 m=25 s=36
